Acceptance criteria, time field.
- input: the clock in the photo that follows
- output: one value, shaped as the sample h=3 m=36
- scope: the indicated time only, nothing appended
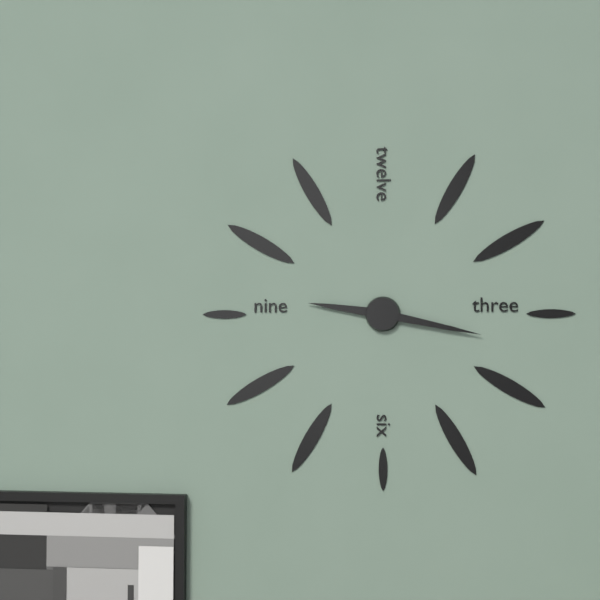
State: h=9 m=17
